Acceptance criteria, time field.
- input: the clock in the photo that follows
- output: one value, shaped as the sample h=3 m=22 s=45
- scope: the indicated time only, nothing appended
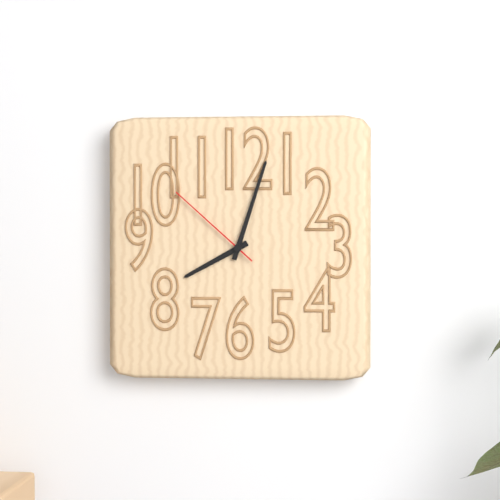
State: h=8 m=3 s=52
